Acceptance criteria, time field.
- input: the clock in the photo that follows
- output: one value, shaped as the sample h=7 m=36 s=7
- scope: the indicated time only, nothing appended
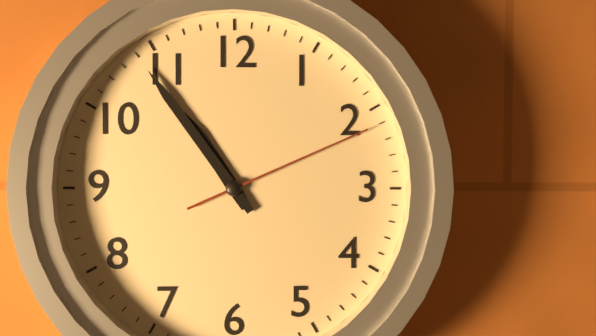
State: h=10 m=54 s=11
